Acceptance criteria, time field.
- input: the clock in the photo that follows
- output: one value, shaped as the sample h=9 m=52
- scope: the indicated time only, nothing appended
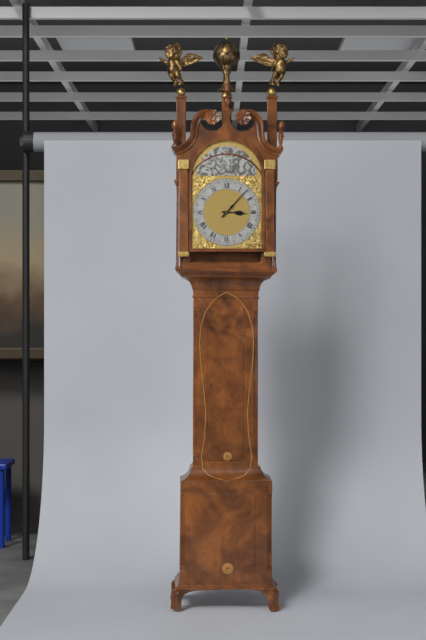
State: h=3 m=7
